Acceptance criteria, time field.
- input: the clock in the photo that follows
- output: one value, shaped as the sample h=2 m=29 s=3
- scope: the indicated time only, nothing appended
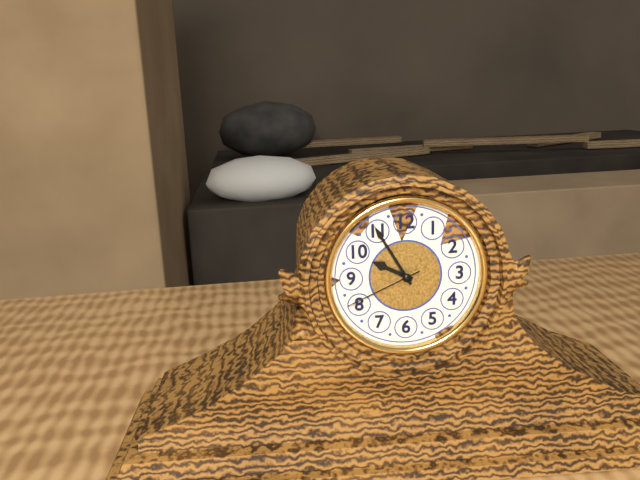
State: h=9 m=55 s=41
